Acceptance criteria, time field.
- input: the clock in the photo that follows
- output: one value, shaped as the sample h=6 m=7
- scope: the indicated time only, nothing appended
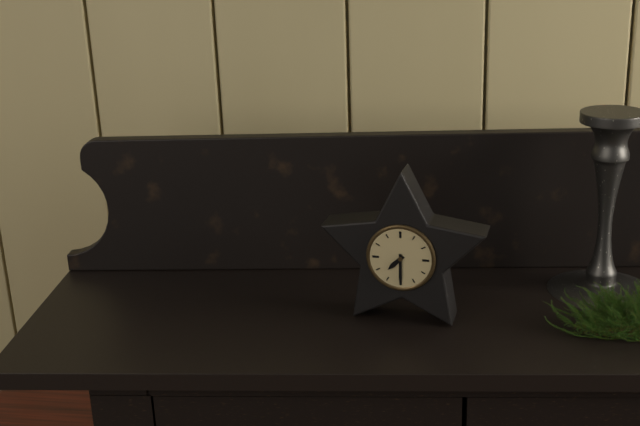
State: h=7 m=30
